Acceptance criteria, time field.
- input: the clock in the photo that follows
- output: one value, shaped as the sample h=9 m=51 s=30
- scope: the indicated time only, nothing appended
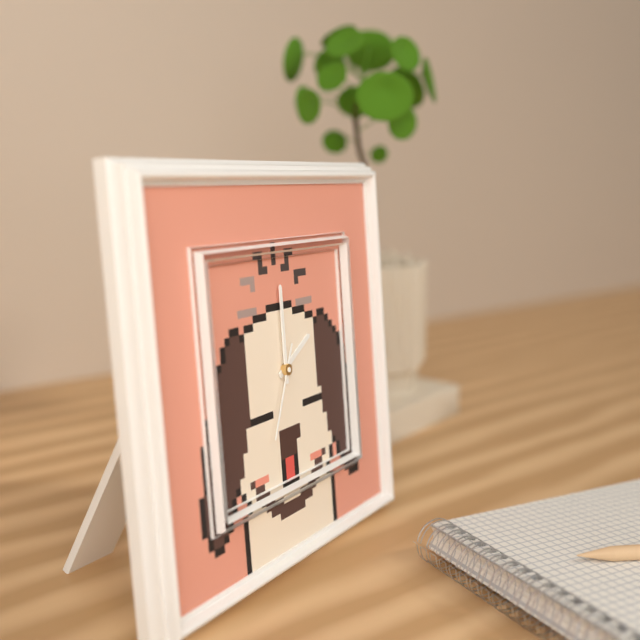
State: h=2 m=0 s=34
